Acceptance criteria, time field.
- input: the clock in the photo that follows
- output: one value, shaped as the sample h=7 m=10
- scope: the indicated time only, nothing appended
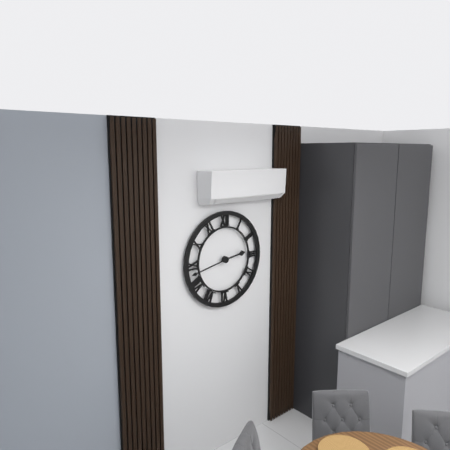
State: h=2 m=43
